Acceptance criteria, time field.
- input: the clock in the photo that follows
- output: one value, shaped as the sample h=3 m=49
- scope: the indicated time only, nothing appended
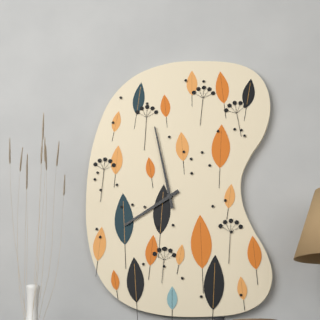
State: h=7 m=58
